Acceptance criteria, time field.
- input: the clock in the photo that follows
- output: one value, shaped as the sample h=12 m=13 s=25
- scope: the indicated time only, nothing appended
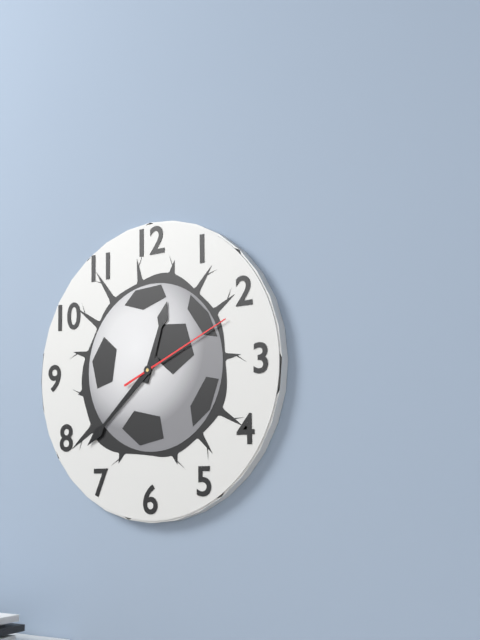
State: h=12 m=38 s=11
